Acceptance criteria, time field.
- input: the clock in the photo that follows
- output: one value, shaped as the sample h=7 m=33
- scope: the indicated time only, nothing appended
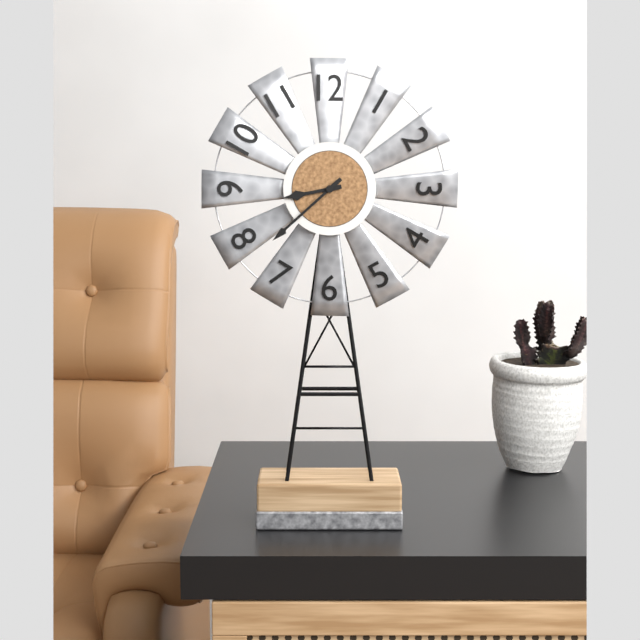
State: h=8 m=38
